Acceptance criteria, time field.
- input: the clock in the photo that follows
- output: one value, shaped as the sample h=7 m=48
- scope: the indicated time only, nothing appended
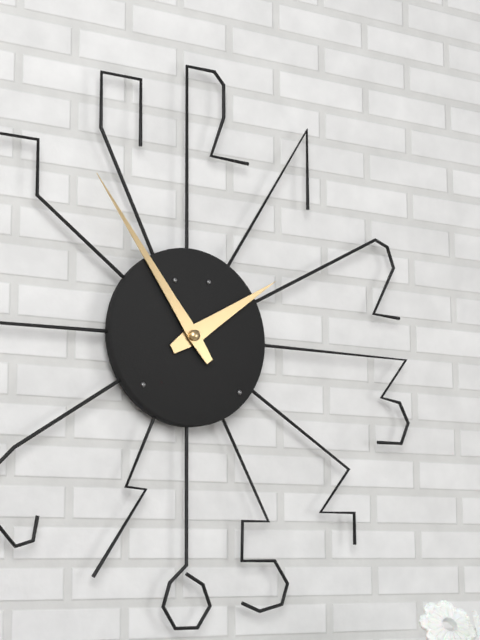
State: h=1 m=54
